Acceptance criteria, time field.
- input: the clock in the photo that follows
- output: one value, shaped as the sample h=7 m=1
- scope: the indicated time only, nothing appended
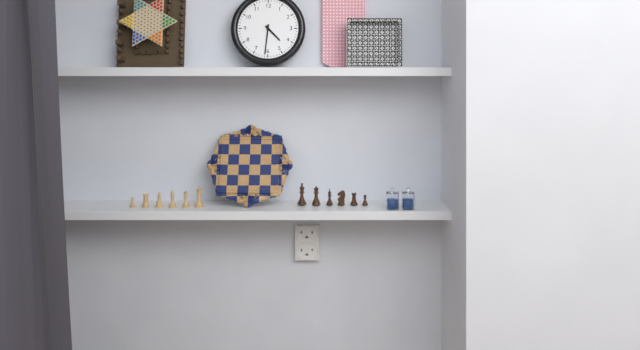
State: h=4 m=31
